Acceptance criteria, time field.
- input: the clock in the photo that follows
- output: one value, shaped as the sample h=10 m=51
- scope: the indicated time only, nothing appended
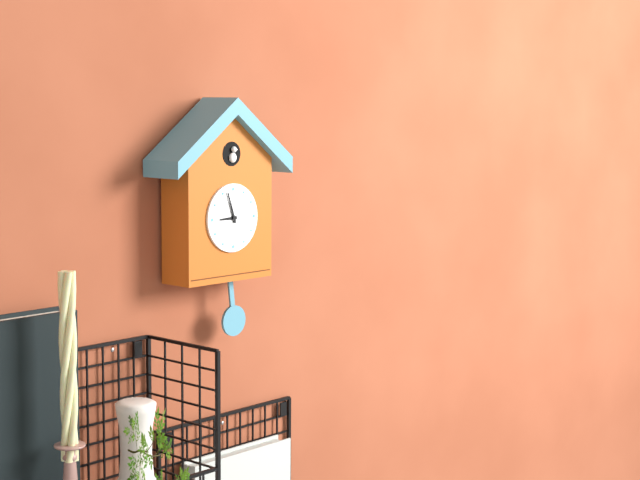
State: h=8 m=57
